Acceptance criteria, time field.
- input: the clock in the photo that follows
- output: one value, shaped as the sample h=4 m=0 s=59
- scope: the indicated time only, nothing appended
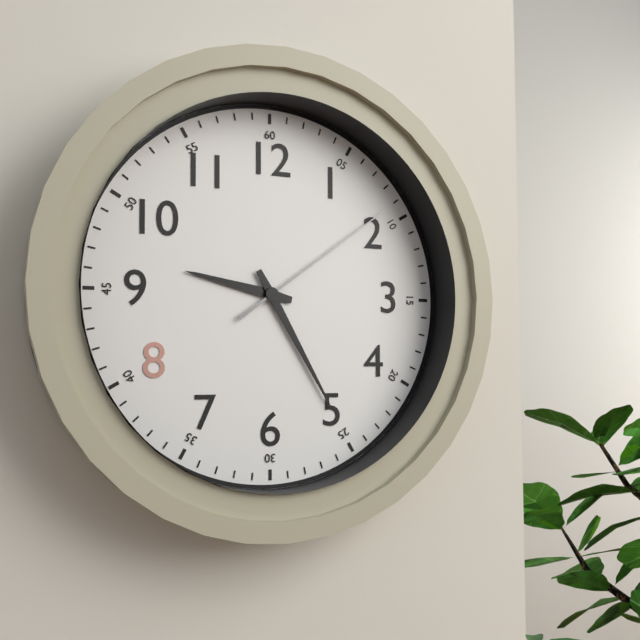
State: h=9 m=25 s=9
